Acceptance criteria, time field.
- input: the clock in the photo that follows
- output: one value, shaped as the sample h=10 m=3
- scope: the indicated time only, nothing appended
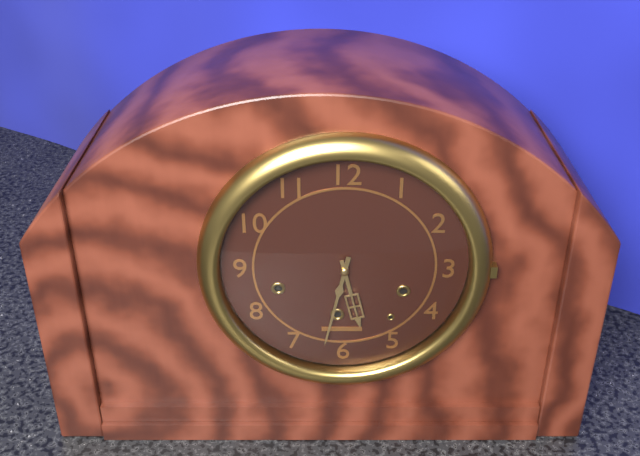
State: h=5 m=32
